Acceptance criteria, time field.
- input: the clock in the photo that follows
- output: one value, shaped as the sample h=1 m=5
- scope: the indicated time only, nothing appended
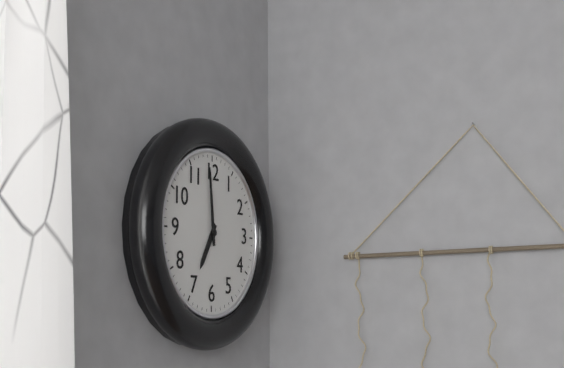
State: h=6 m=59
